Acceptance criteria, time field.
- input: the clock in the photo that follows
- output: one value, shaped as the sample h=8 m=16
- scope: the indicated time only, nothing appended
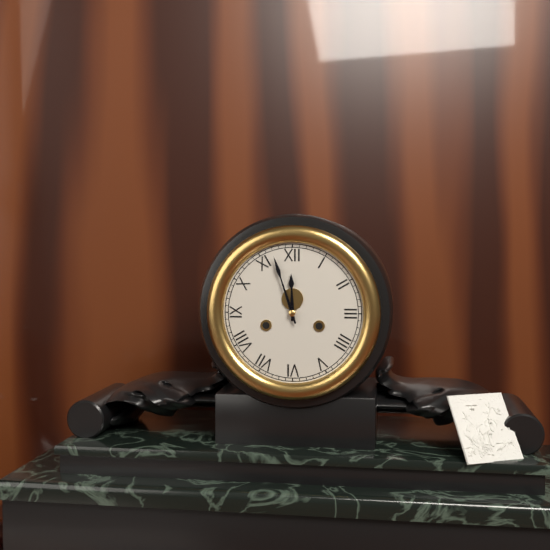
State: h=11 m=57
